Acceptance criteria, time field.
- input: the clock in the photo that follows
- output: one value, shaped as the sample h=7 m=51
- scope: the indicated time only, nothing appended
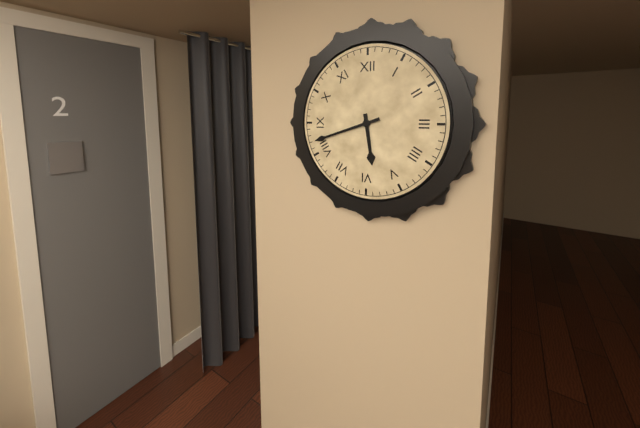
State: h=5 m=42
